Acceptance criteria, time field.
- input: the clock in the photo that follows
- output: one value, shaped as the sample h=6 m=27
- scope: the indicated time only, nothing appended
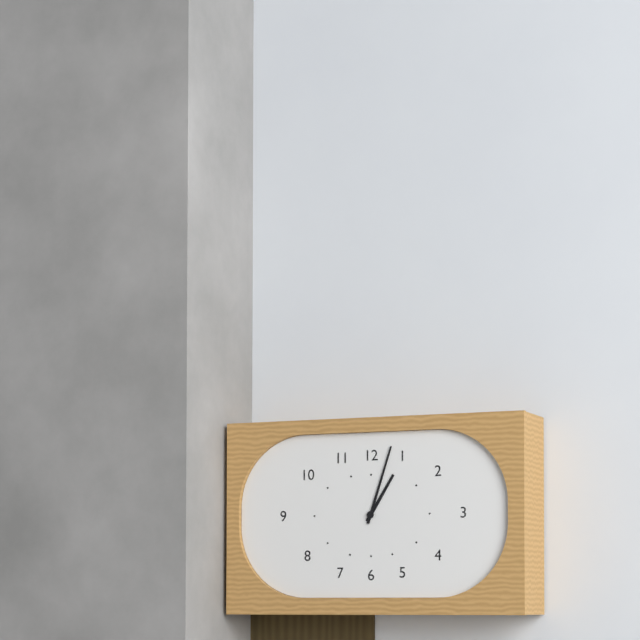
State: h=1 m=3
